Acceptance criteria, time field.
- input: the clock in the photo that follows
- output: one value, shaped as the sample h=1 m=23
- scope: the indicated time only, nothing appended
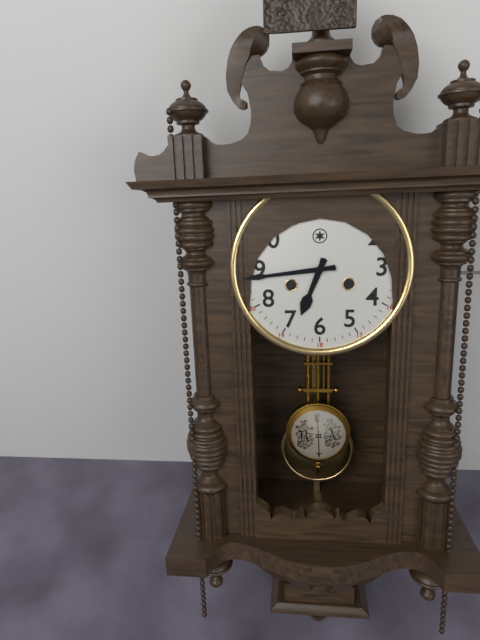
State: h=6 m=44
